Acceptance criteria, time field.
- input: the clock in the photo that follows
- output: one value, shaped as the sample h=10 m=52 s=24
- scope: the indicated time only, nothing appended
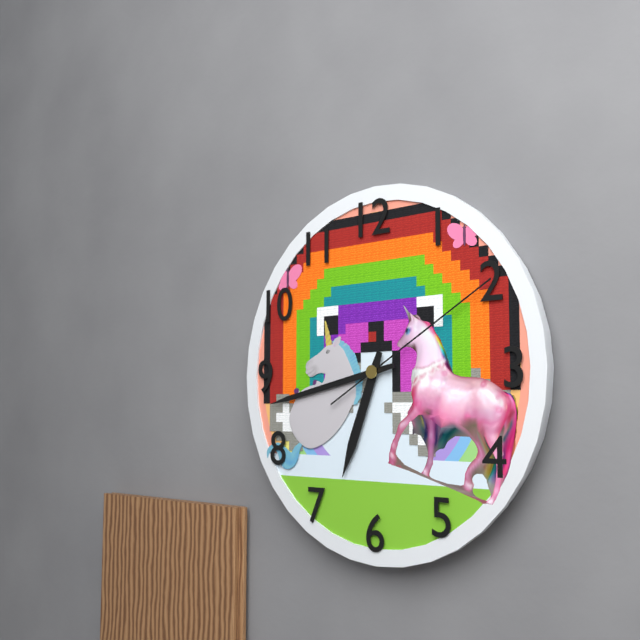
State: h=6 m=43 s=10
